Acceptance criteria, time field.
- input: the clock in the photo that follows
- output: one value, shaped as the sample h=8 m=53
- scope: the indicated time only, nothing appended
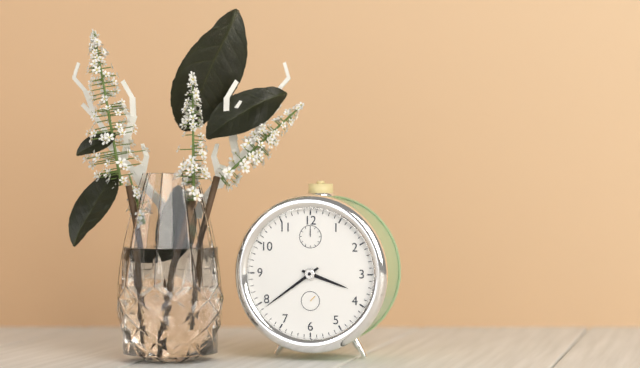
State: h=3 m=39
